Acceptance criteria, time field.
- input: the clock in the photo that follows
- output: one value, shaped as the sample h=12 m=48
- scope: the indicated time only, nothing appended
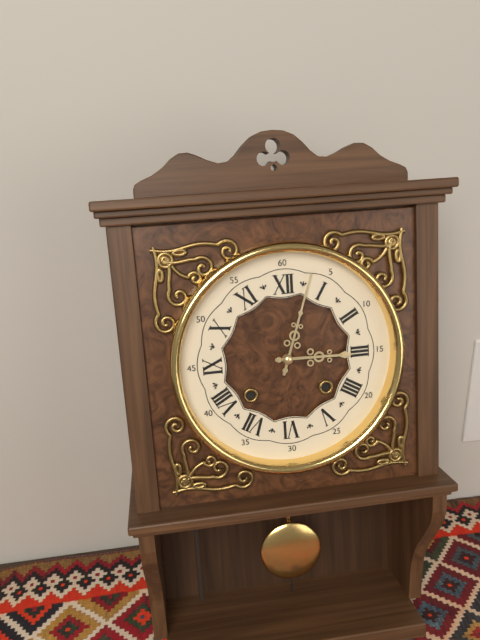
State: h=3 m=3
